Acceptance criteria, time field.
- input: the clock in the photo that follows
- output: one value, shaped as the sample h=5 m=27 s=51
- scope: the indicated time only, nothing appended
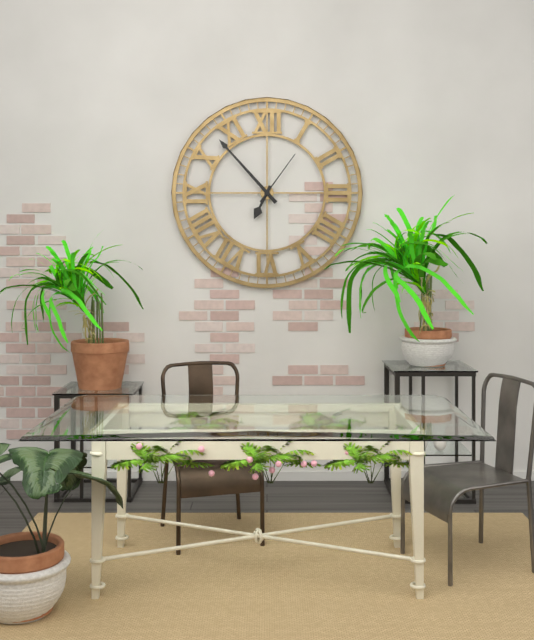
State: h=6 m=53 s=6
